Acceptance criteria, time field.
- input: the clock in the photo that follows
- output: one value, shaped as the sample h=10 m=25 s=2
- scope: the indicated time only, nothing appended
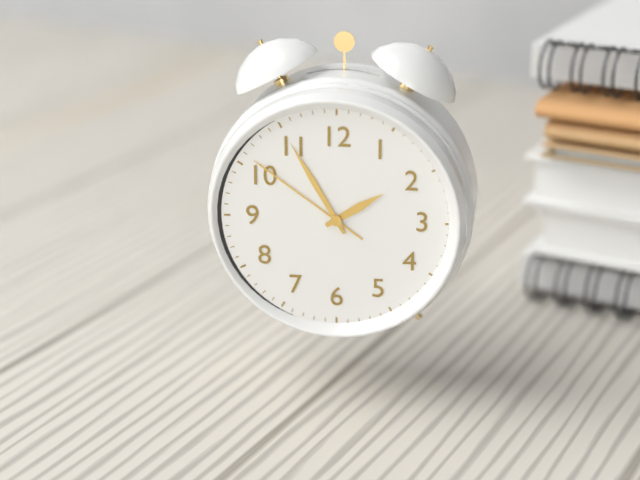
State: h=1 m=55 s=51
